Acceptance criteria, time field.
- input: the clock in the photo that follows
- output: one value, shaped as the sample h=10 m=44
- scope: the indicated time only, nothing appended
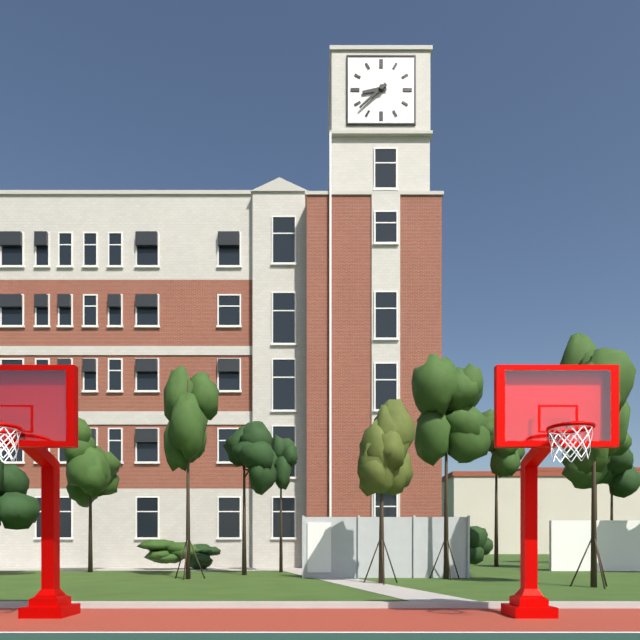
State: h=8 m=38
